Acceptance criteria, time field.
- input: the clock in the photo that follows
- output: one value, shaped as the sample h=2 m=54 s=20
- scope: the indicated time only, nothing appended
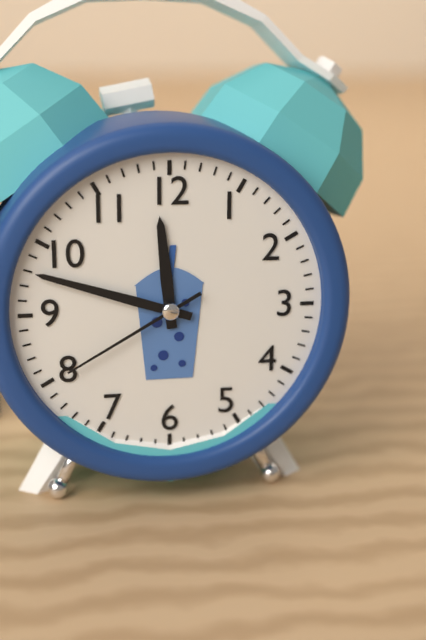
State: h=11 m=48 s=40
